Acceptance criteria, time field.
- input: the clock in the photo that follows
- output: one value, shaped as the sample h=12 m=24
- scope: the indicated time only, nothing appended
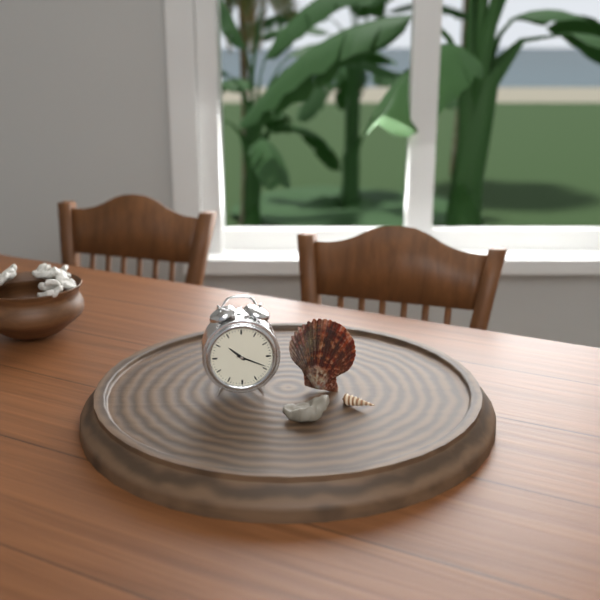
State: h=10 m=19
